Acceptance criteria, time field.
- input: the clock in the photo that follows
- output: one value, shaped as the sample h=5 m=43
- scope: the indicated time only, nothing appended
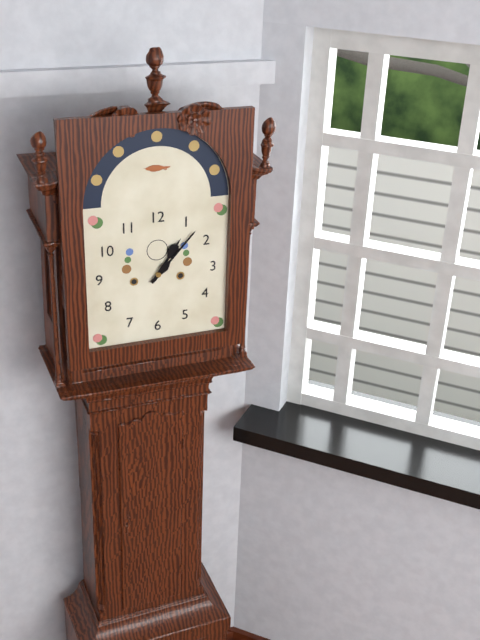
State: h=1 m=7
